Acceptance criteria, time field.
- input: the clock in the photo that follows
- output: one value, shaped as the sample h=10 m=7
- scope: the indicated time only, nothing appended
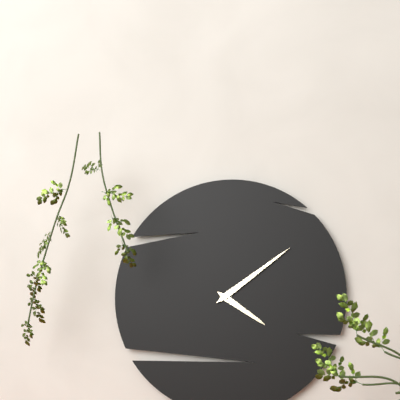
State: h=4 m=9
